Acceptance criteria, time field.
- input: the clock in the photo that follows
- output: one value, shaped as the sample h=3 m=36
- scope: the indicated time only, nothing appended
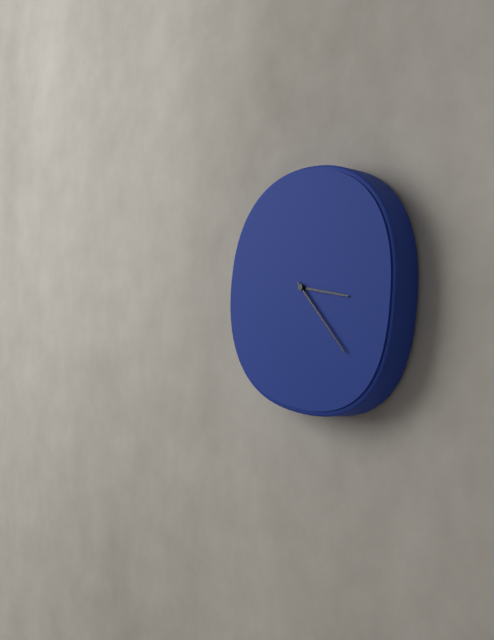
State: h=3 m=23
